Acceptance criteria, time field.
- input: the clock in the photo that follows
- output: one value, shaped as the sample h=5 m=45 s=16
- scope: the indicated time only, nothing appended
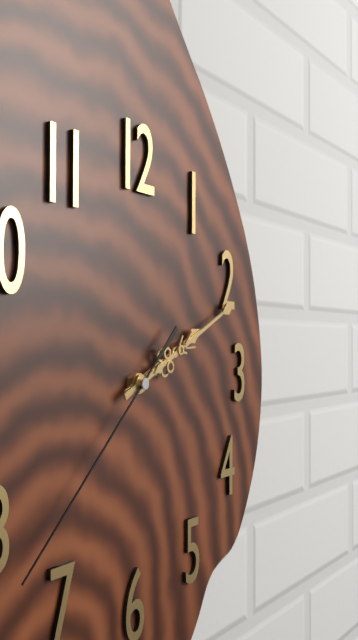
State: h=2 m=11 s=38
